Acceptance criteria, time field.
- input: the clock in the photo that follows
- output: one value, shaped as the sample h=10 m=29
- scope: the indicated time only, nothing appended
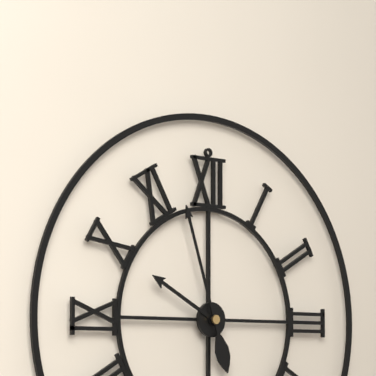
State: h=9 m=57
